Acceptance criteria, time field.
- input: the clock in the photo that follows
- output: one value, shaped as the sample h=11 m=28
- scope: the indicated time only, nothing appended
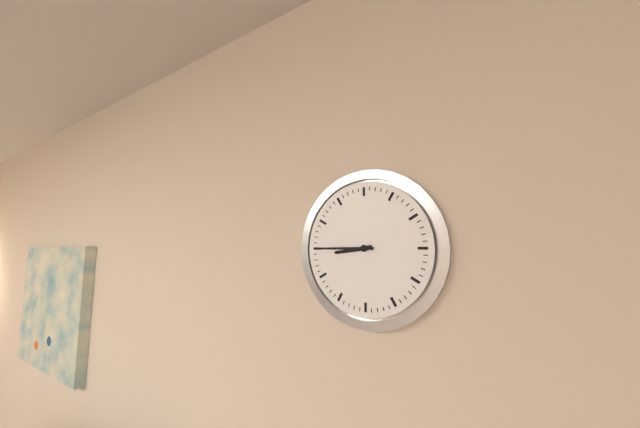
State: h=8 m=45
